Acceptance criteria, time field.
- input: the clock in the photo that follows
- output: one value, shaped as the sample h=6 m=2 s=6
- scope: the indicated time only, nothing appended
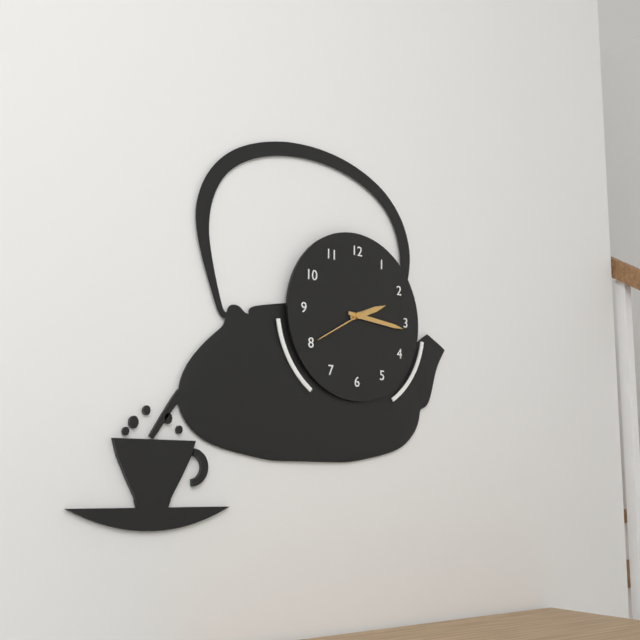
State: h=2 m=16 s=40
